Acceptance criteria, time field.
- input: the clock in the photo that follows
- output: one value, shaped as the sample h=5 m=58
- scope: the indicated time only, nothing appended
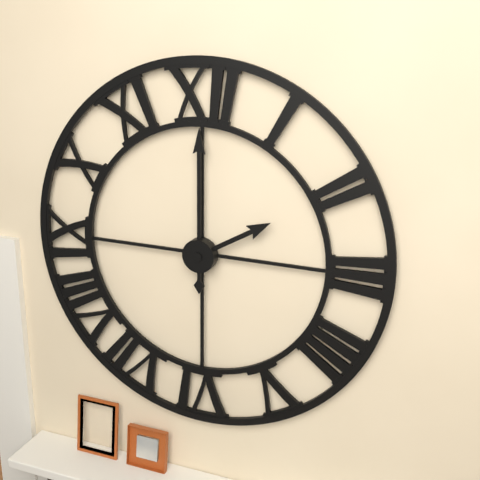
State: h=2 m=0
